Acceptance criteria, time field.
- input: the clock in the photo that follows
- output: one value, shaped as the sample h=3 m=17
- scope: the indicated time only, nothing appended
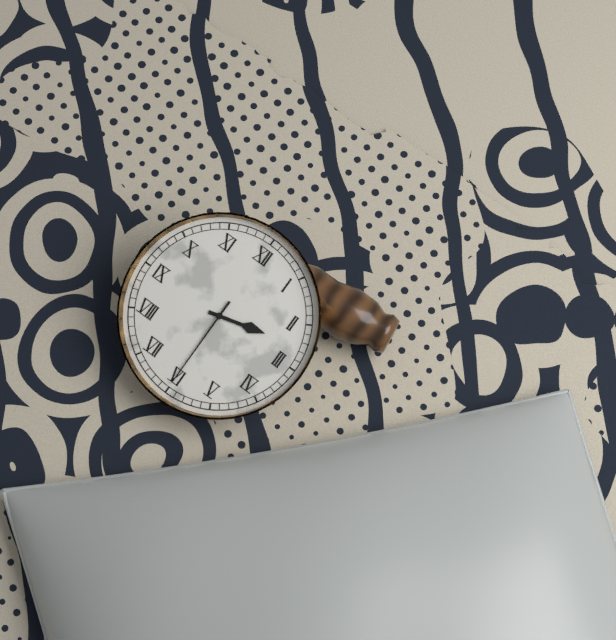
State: h=2 m=30
